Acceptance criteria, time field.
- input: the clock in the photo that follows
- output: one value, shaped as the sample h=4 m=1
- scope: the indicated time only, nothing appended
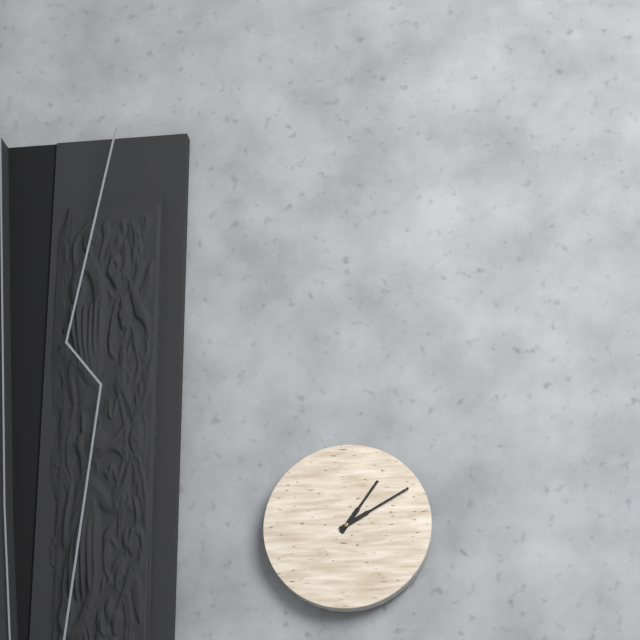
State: h=1 m=10
